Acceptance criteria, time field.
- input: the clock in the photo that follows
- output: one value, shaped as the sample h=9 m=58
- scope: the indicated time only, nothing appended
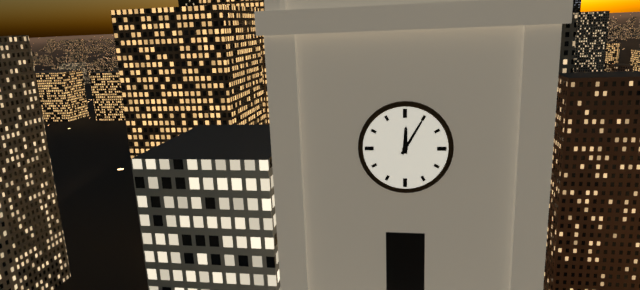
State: h=12 m=5
